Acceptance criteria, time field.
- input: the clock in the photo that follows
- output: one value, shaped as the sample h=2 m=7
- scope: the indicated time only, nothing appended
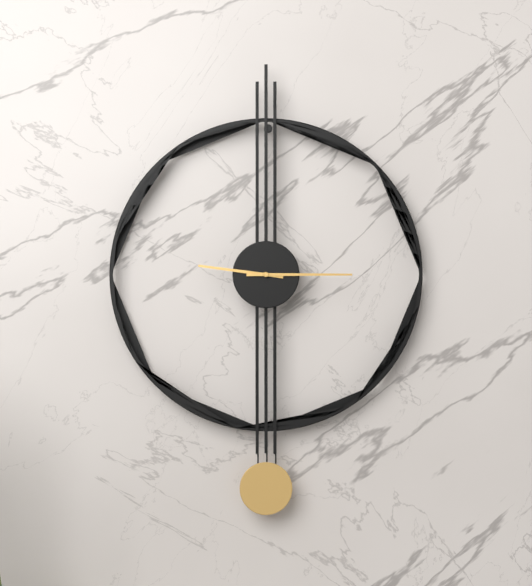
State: h=9 m=15
